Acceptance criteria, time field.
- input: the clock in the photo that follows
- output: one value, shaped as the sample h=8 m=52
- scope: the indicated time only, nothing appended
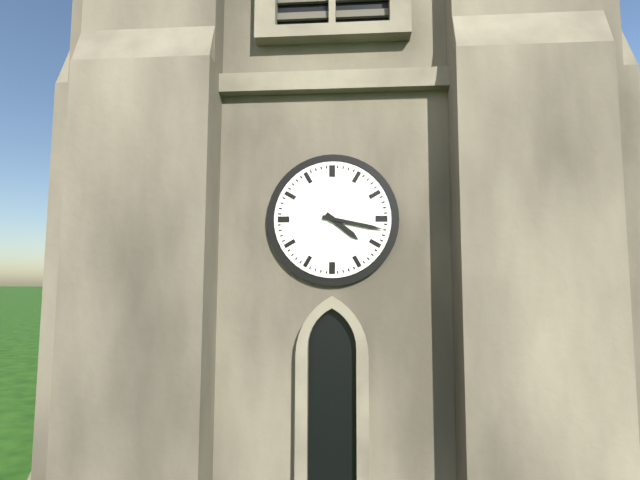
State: h=4 m=17
